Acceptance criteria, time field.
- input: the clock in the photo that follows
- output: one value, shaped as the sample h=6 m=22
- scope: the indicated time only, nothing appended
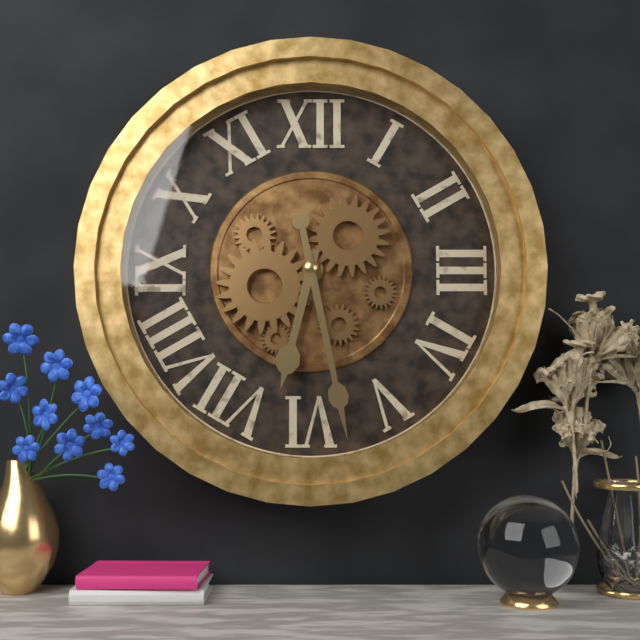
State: h=6 m=28
